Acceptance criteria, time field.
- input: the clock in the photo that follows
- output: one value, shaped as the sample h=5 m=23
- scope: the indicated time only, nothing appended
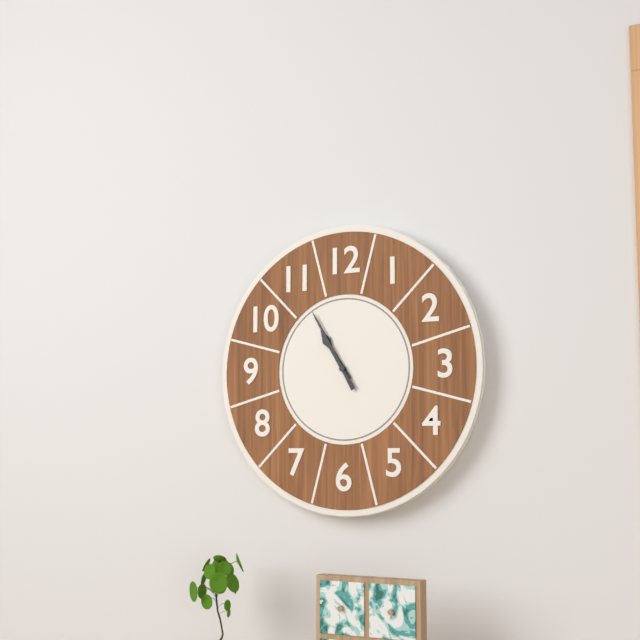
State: h=10 m=55
